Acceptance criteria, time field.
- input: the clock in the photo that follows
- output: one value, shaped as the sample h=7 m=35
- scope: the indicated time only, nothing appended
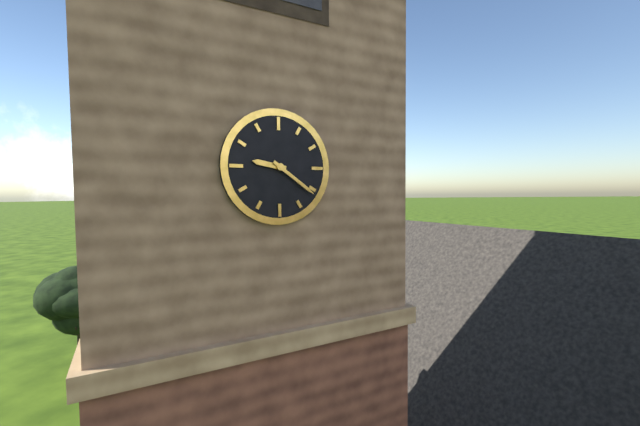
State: h=9 m=21
